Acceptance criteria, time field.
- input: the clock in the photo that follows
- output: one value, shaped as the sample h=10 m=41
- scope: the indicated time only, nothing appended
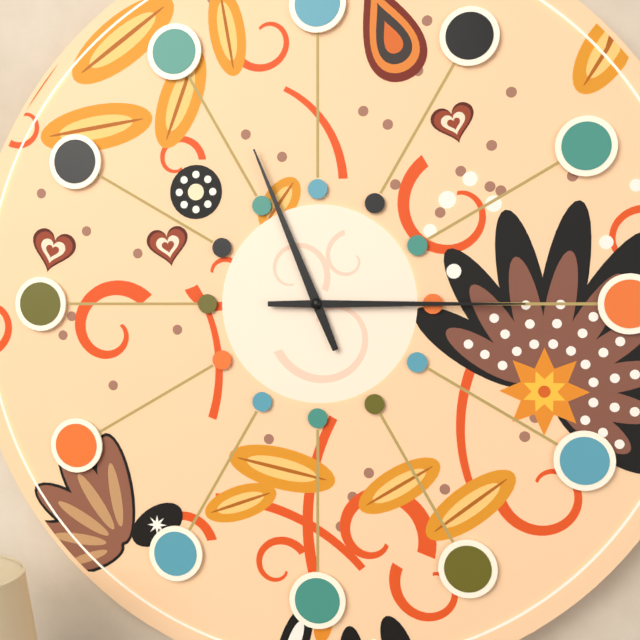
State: h=11 m=15
